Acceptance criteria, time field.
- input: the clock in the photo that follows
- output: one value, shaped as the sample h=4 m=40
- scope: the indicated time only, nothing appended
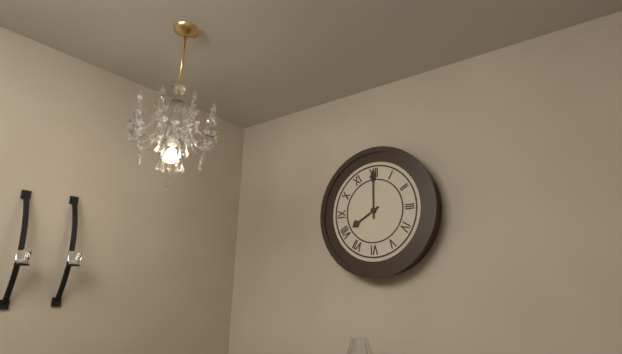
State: h=8 m=0
